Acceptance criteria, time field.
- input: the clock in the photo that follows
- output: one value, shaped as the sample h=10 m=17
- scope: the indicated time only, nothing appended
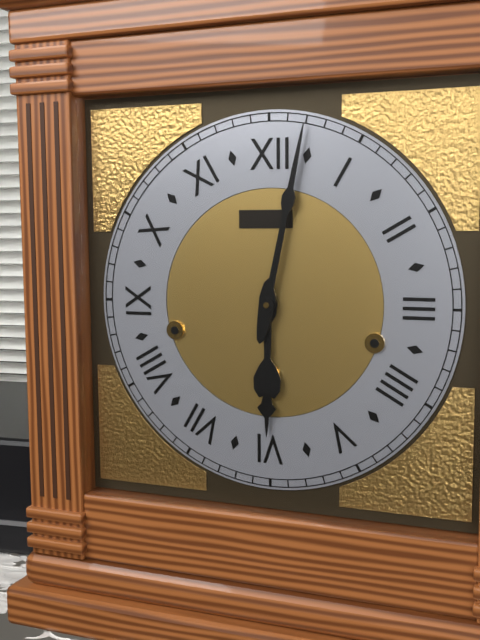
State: h=6 m=2
